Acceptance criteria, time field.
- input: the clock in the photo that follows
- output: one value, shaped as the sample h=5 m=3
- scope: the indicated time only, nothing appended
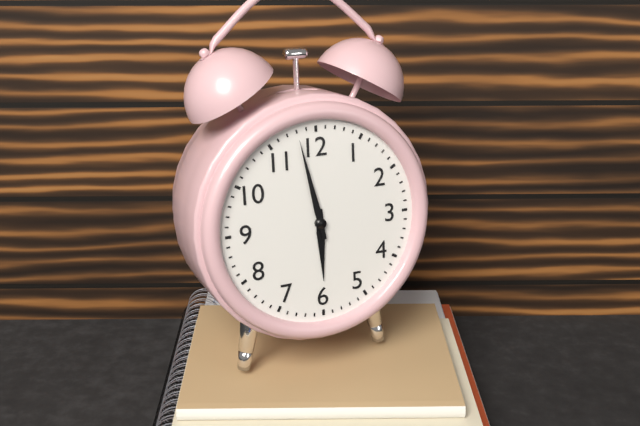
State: h=5 m=58
